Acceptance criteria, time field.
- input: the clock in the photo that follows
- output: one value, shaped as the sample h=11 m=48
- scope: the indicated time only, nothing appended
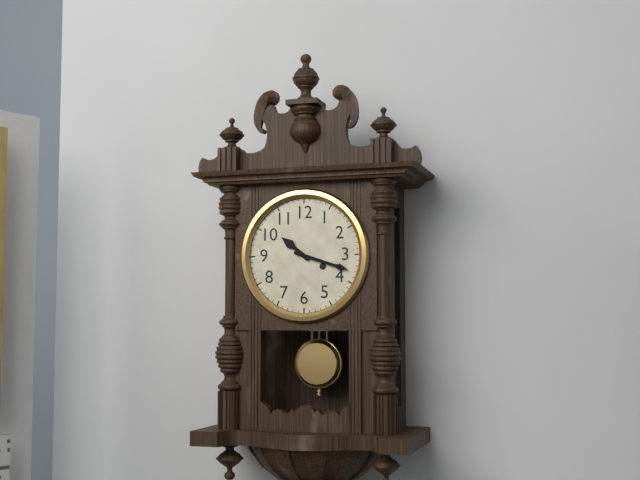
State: h=10 m=18
